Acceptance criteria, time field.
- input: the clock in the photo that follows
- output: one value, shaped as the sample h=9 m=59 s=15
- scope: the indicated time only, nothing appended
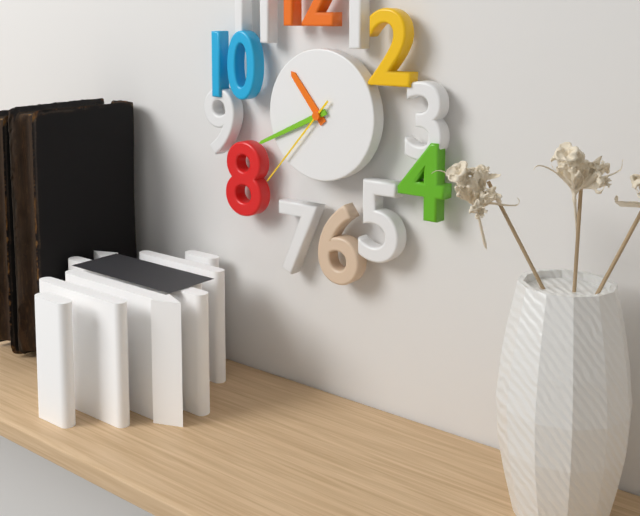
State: h=10 m=41 s=37
